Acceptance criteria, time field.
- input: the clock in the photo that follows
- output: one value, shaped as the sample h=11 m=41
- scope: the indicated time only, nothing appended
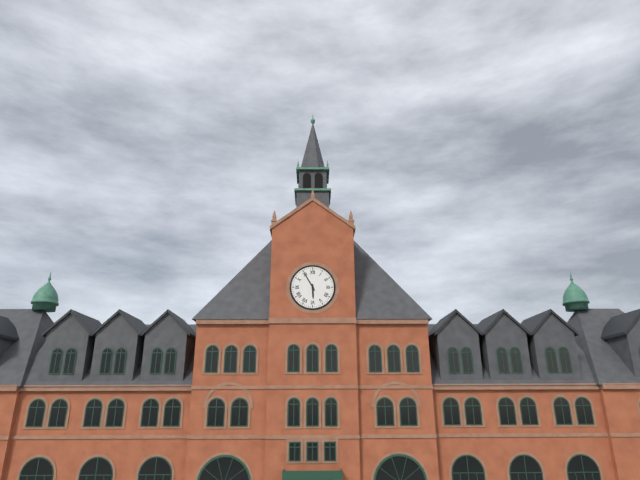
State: h=5 m=55
